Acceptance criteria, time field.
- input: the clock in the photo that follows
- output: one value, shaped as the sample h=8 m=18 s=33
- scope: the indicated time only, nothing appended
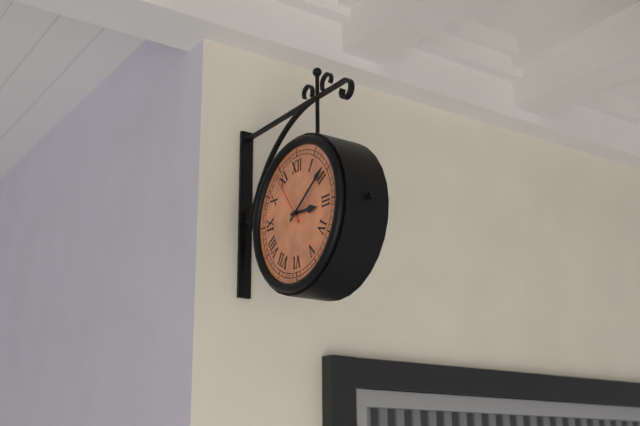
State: h=3 m=9 s=54
